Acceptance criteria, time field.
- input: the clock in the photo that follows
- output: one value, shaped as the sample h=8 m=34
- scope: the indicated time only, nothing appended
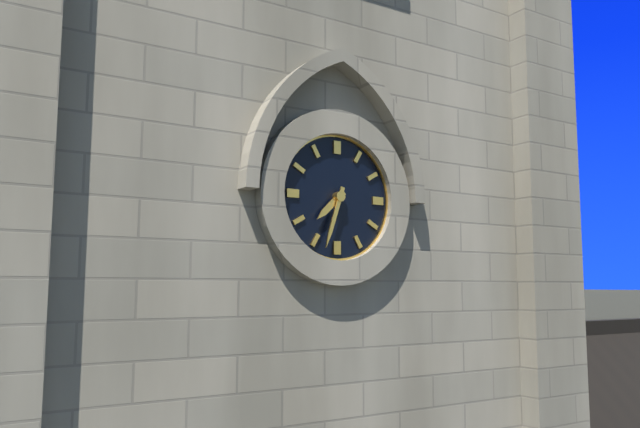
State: h=7 m=33
